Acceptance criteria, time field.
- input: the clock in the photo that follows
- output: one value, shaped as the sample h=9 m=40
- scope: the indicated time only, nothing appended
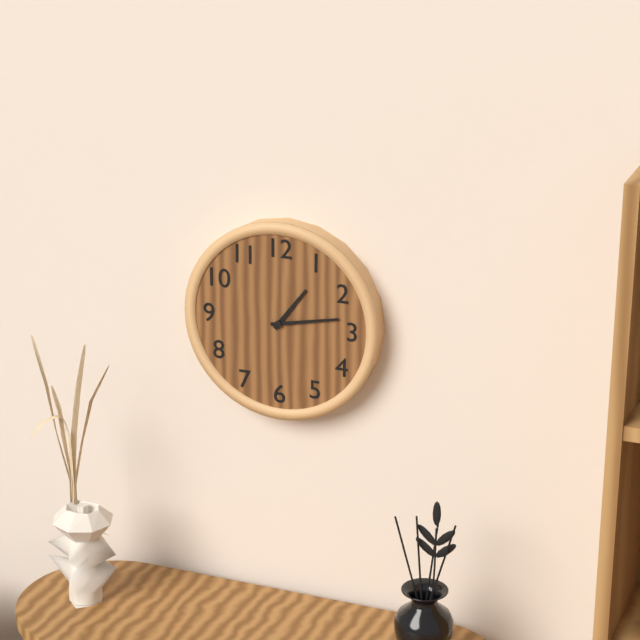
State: h=1 m=13
